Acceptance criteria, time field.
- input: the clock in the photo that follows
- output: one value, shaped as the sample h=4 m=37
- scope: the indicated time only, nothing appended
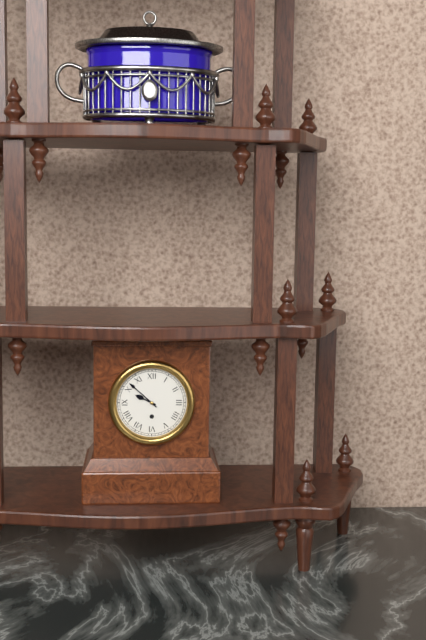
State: h=9 m=52
